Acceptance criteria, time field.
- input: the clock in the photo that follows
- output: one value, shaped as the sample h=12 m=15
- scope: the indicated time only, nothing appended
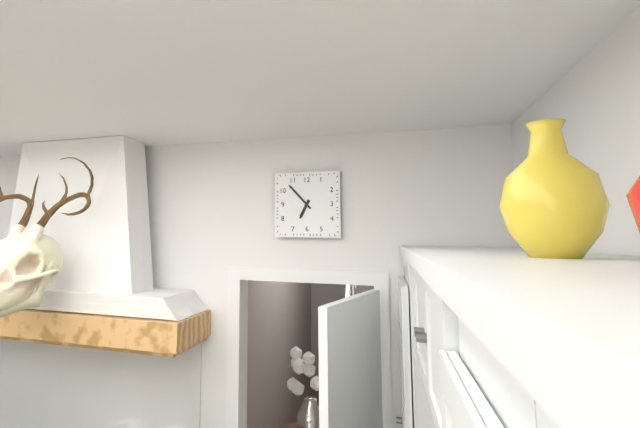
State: h=6 m=53
